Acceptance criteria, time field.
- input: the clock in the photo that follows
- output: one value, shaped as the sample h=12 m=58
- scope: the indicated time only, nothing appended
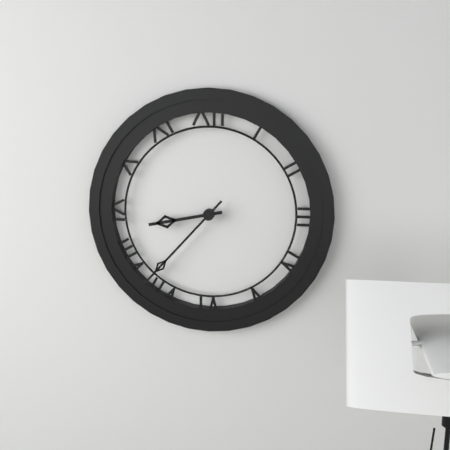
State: h=8 m=37
